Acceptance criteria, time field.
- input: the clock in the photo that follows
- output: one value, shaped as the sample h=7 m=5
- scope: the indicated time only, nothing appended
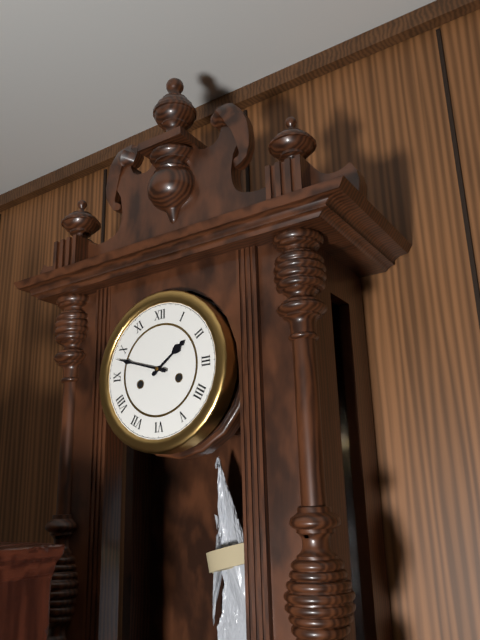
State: h=1 m=48
